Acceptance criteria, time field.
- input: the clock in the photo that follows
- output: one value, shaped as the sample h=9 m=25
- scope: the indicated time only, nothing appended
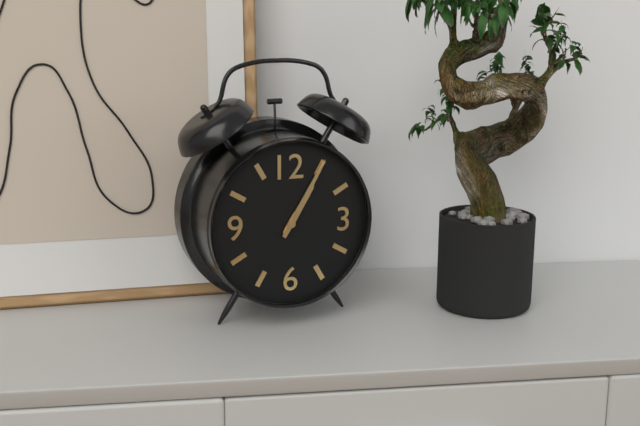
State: h=1 m=5
